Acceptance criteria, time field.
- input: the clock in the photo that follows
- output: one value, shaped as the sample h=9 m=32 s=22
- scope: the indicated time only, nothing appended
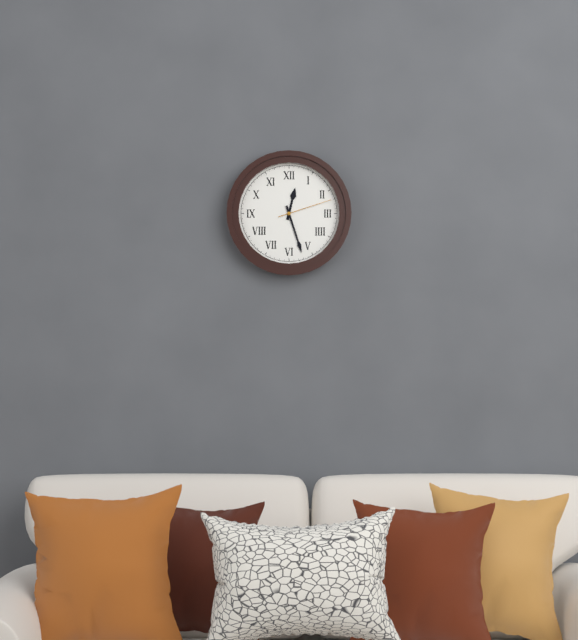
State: h=12 m=27 s=12
